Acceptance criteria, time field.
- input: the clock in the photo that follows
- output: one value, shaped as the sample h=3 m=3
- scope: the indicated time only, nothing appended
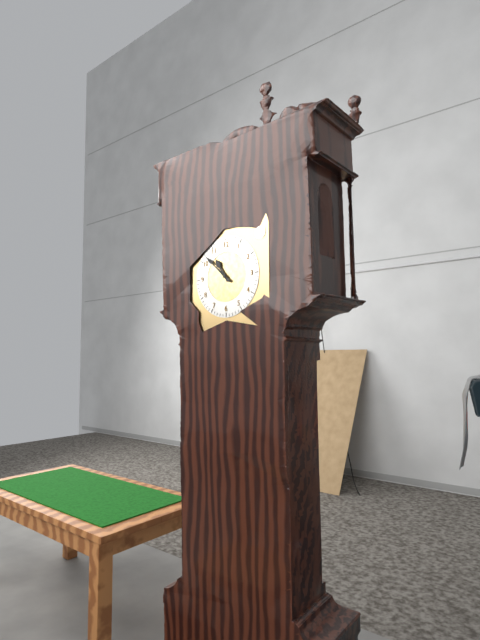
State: h=10 m=52
